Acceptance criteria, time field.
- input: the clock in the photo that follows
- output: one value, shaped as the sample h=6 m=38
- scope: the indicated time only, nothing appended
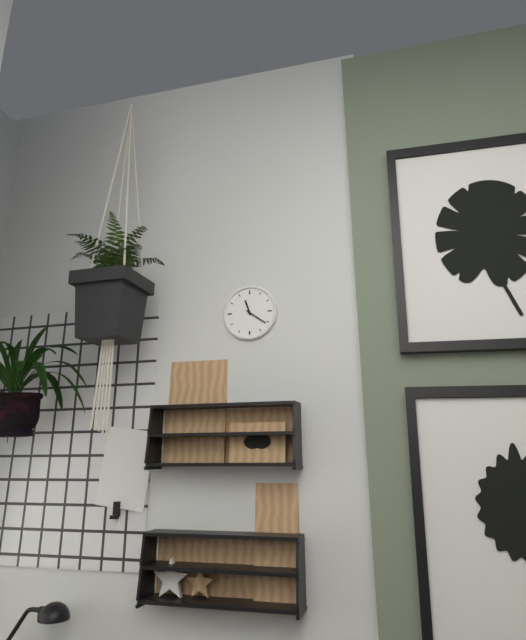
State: h=11 m=21
